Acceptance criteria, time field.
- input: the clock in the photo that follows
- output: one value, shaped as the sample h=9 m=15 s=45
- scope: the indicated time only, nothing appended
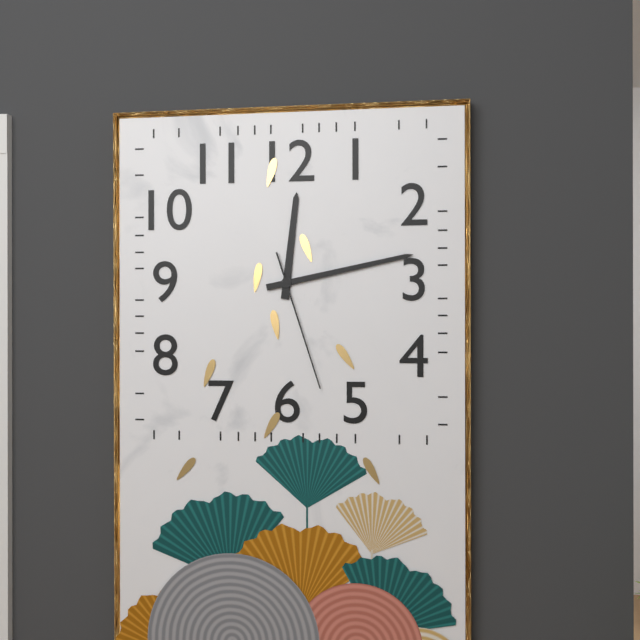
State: h=12 m=13 s=27
